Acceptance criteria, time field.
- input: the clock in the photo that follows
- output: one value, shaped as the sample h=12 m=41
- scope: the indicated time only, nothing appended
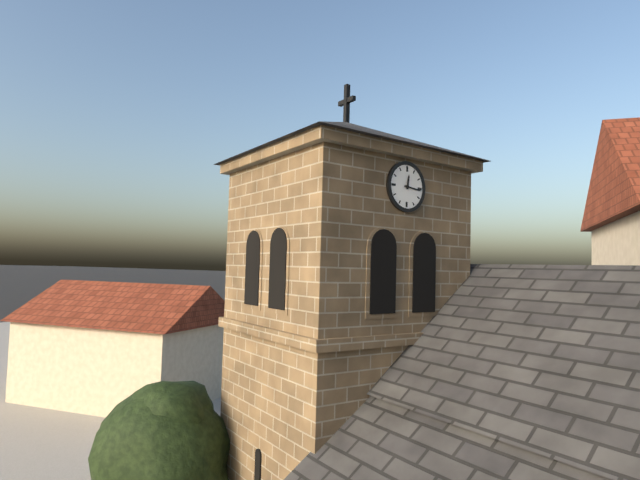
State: h=12 m=16
